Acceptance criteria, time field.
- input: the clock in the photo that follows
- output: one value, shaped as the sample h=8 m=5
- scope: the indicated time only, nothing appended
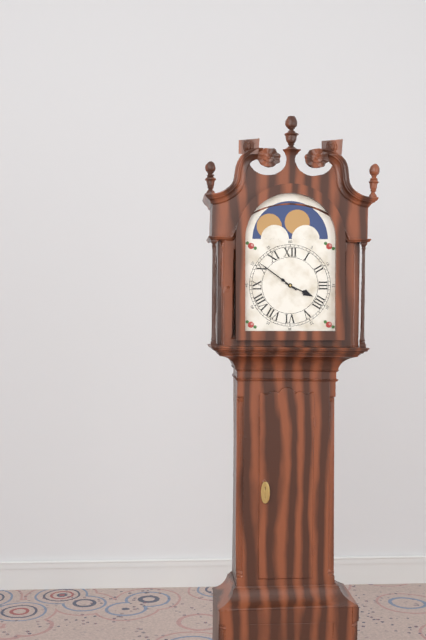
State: h=3 m=51
